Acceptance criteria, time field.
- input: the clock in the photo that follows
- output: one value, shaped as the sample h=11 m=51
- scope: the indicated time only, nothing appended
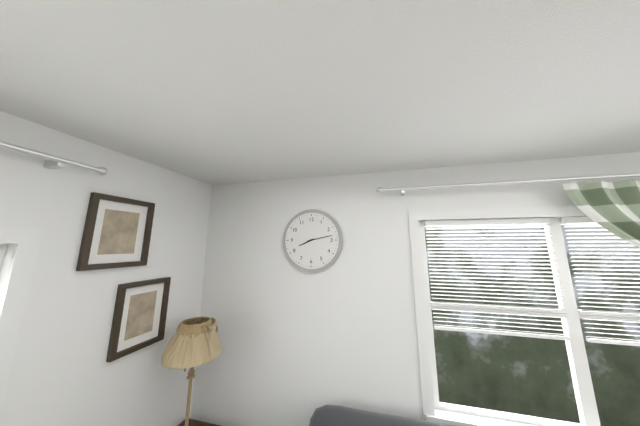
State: h=8 m=13
